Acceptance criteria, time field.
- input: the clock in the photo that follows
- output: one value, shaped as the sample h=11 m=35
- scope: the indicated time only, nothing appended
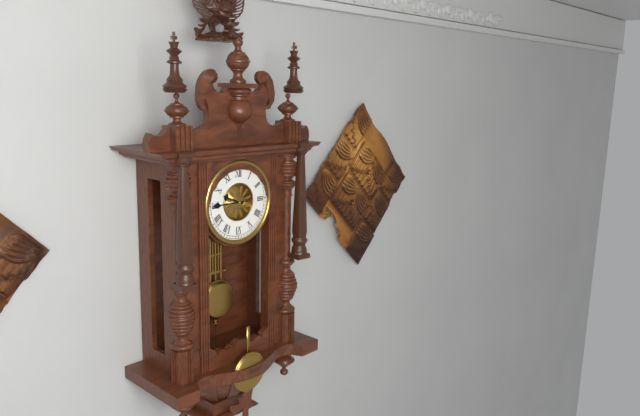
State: h=9 m=45
